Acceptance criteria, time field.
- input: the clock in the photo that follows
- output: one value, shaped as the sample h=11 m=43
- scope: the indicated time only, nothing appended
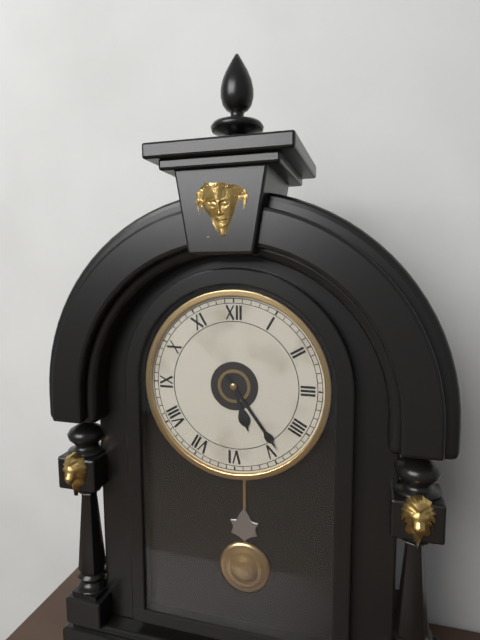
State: h=5 m=24
